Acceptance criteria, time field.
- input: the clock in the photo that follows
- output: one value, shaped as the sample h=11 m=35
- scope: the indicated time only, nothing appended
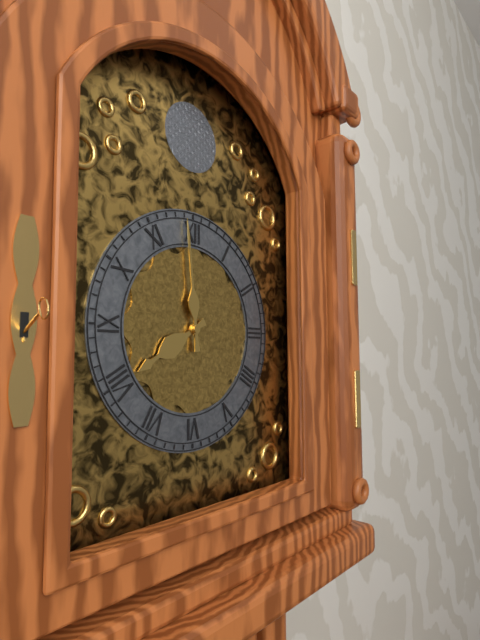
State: h=7 m=59
